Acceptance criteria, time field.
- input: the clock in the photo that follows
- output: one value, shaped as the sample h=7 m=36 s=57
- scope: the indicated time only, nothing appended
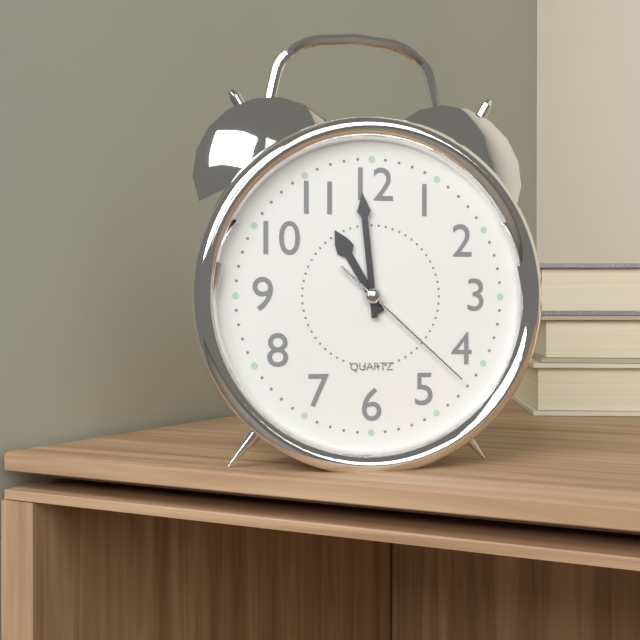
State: h=10 m=59 s=22
